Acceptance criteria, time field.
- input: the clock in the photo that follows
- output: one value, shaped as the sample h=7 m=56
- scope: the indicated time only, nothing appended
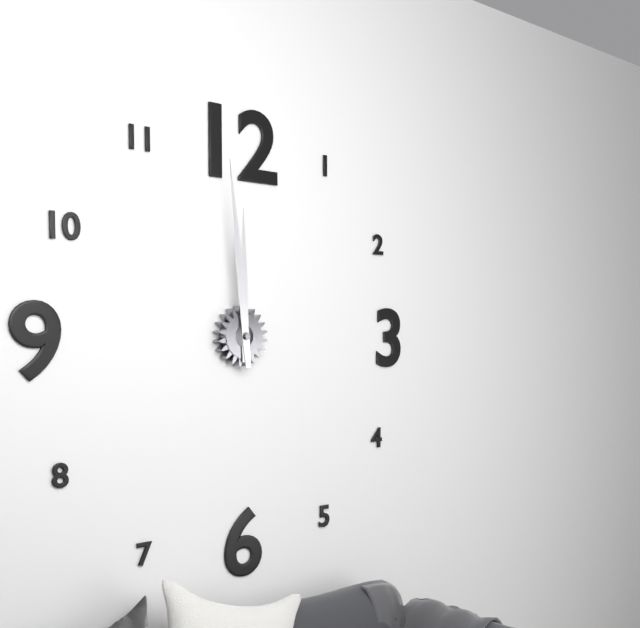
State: h=11 m=59
